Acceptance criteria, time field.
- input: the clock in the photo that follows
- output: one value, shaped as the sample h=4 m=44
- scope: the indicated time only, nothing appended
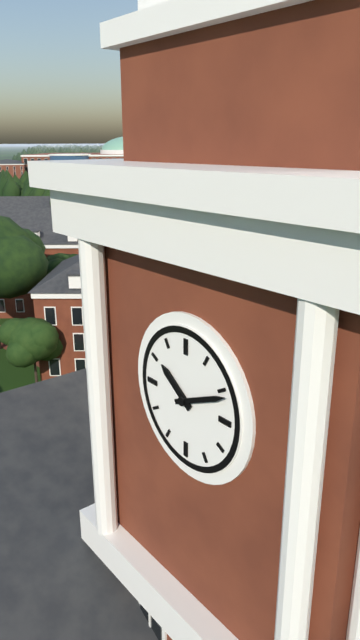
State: h=10 m=11
